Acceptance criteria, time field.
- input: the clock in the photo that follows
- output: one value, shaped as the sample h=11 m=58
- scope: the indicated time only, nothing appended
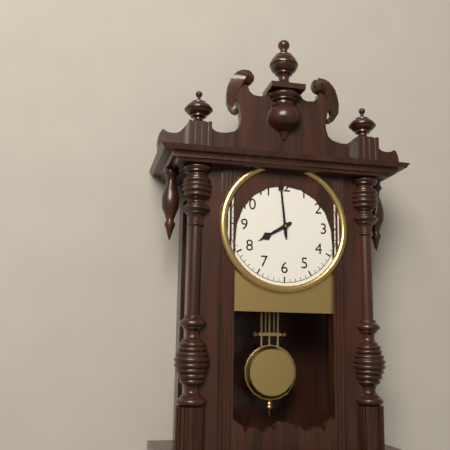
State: h=7 m=59
